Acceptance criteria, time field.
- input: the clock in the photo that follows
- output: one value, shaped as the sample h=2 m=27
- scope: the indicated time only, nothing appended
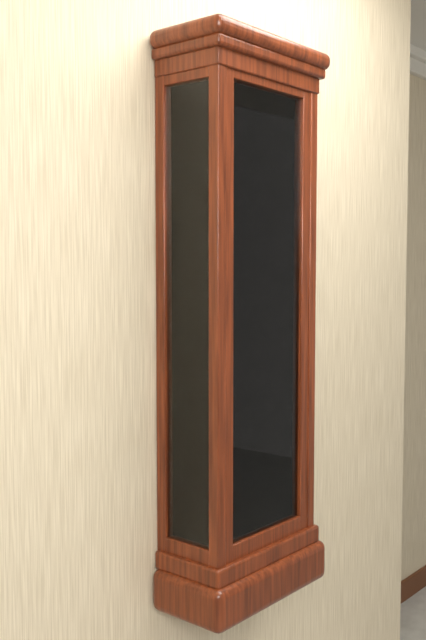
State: h=7 m=5
